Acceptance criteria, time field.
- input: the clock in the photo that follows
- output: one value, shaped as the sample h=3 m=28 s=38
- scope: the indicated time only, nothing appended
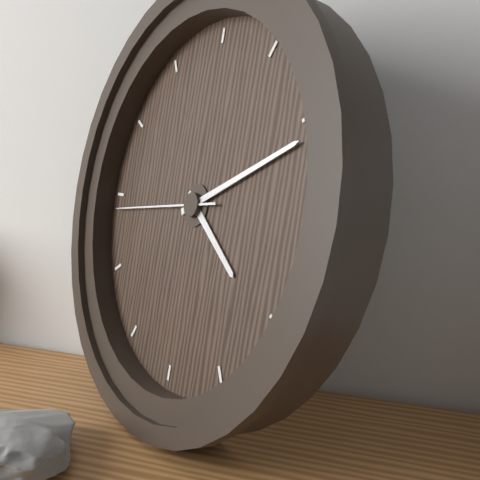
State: h=4 m=11 s=44
